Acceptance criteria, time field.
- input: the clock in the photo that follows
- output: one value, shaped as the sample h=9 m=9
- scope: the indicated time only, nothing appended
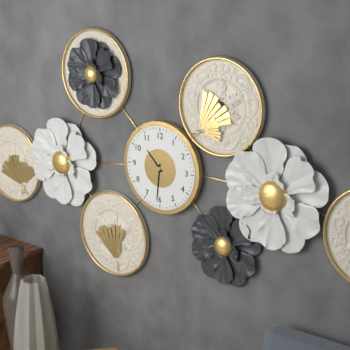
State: h=10 m=31
